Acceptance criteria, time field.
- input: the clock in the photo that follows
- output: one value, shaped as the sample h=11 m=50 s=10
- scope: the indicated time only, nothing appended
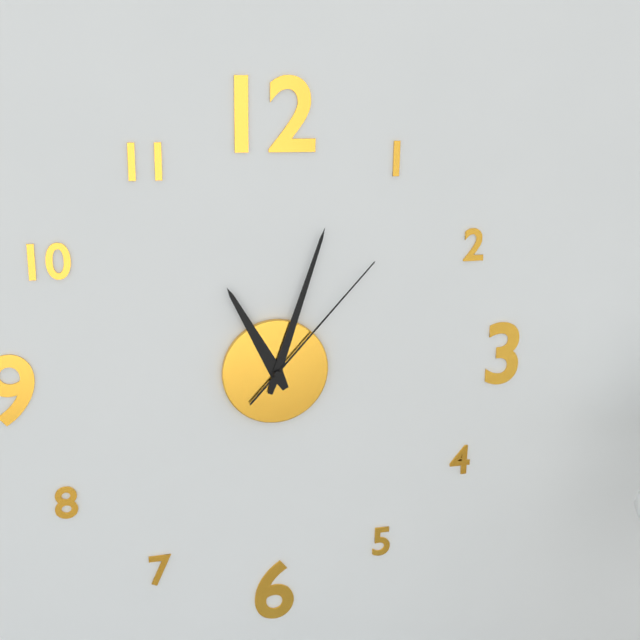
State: h=11 m=3 s=7
